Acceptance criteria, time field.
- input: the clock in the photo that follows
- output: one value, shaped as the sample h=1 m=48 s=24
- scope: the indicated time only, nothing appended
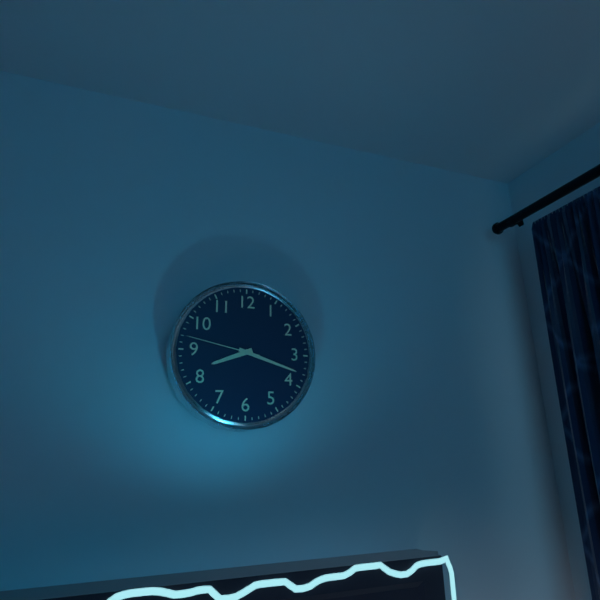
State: h=8 m=18 s=47
